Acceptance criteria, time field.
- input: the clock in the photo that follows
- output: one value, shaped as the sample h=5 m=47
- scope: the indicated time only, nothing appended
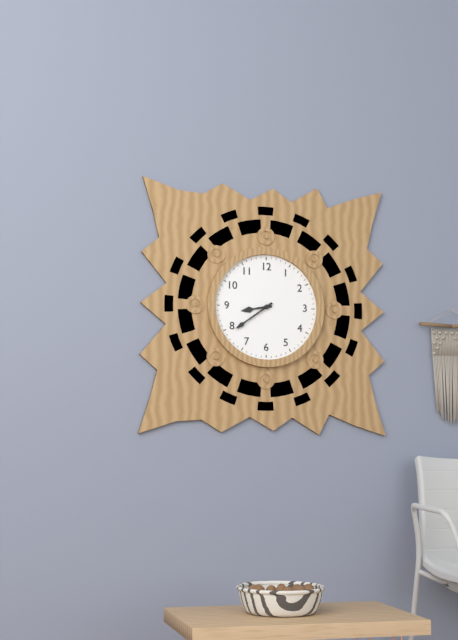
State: h=8 m=39
